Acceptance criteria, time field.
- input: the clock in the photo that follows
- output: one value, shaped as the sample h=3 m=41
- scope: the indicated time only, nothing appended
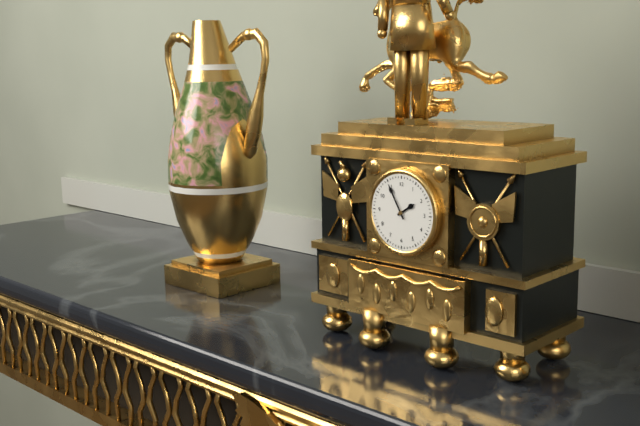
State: h=1 m=55
